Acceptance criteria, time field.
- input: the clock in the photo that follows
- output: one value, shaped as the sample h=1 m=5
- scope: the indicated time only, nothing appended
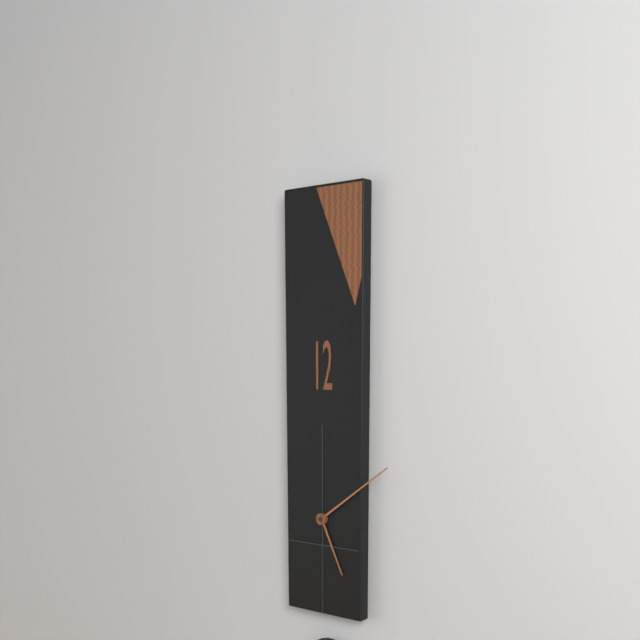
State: h=5 m=9
